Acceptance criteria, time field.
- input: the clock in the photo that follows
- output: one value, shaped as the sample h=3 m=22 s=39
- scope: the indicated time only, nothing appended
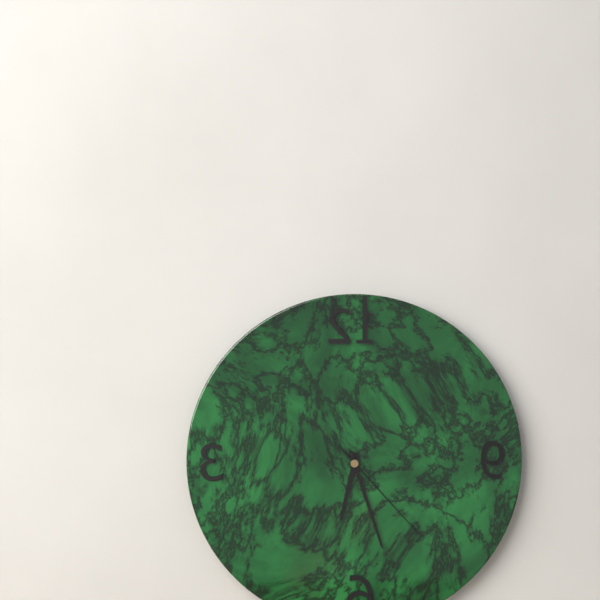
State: h=6 m=27 s=23
